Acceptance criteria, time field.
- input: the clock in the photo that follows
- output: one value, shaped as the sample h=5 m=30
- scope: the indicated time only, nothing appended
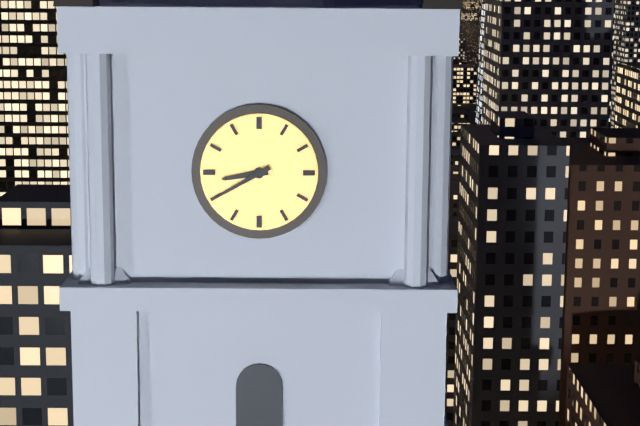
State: h=8 m=40
